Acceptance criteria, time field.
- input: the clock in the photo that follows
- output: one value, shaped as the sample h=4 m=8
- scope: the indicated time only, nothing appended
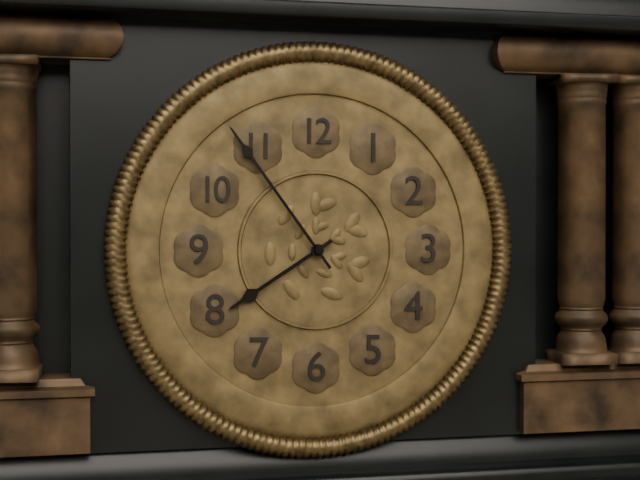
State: h=7 m=54
